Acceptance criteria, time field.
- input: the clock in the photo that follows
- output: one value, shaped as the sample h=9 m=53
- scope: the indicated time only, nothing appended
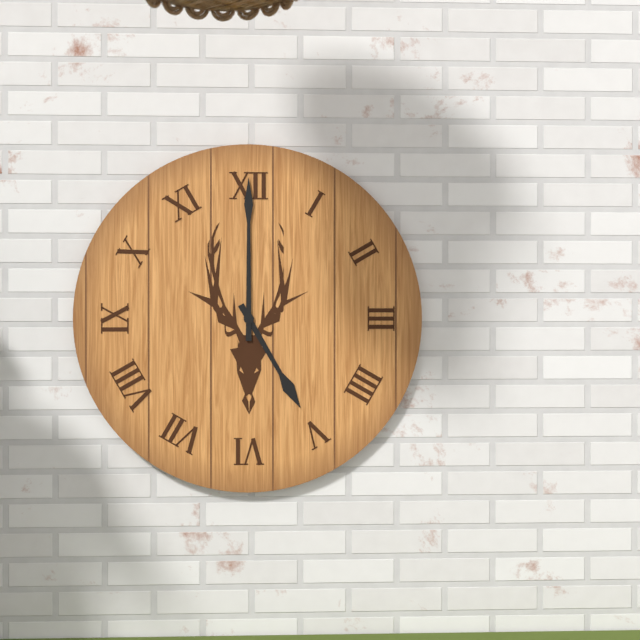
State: h=5 m=0
